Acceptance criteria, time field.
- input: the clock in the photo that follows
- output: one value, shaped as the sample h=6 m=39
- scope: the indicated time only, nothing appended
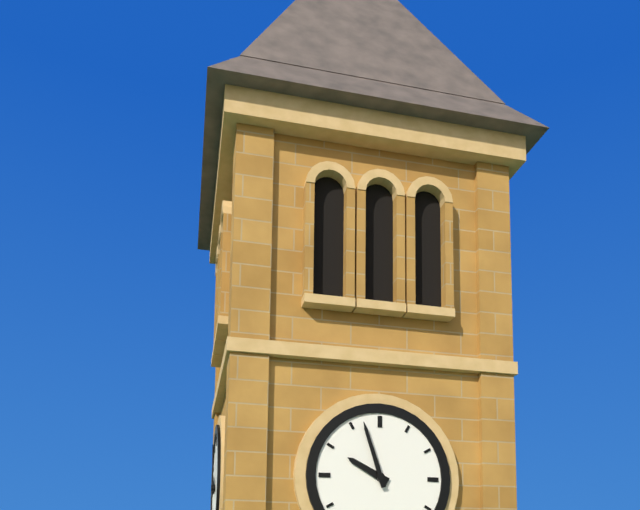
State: h=9 m=57
